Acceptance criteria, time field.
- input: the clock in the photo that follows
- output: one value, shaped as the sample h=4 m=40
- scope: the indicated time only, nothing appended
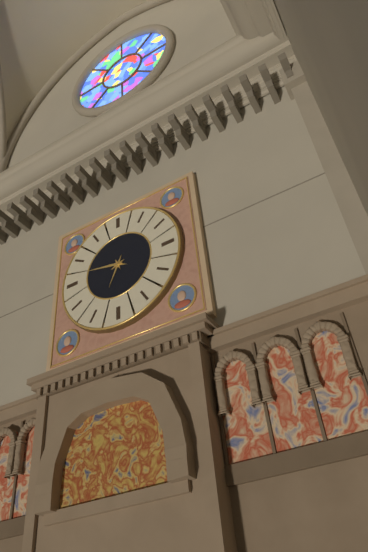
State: h=6 m=47
